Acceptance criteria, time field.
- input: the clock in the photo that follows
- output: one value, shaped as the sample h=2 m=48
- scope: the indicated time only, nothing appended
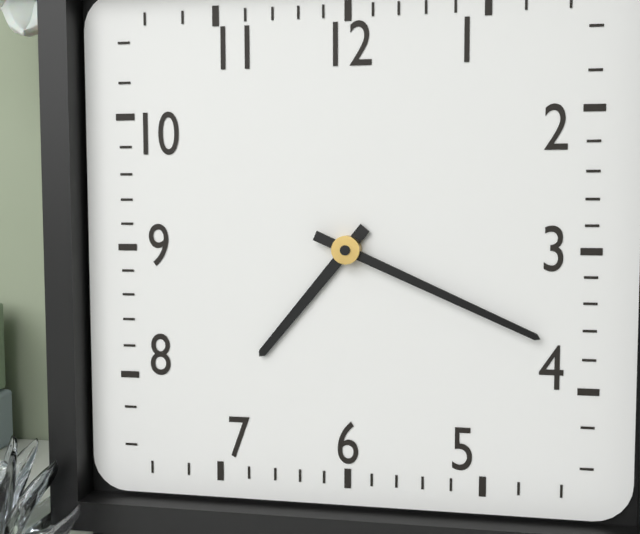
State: h=7 m=19
